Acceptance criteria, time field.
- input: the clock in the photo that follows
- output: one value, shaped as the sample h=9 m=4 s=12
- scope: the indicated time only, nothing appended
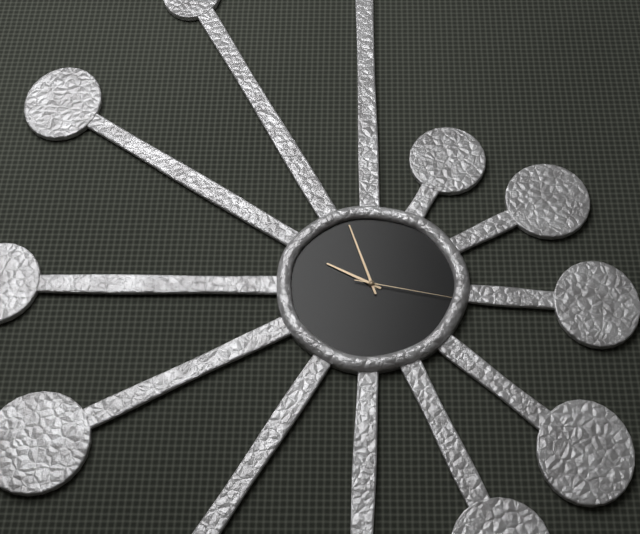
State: h=9 m=57 s=17
